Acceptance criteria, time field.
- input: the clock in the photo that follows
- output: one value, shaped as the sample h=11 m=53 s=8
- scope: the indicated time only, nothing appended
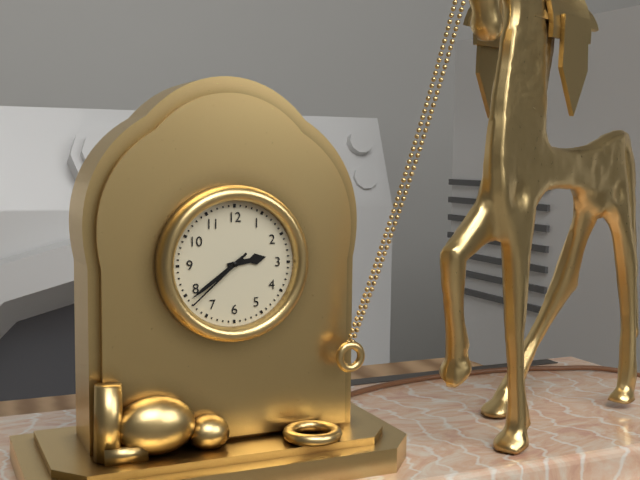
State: h=2 m=39 s=38
